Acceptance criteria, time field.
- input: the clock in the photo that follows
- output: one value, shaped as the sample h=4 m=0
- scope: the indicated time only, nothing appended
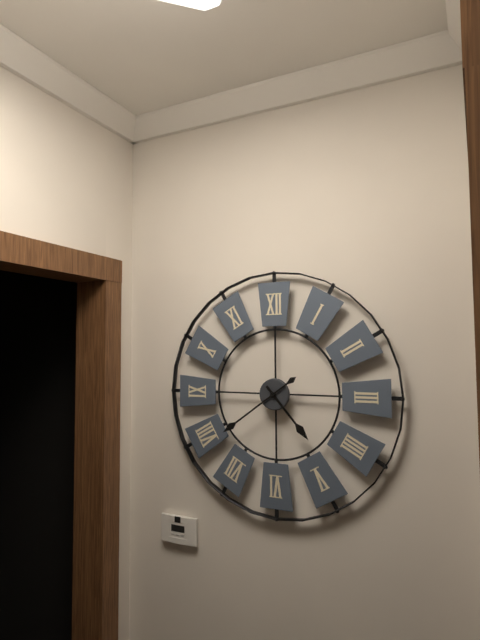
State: h=4 m=39
